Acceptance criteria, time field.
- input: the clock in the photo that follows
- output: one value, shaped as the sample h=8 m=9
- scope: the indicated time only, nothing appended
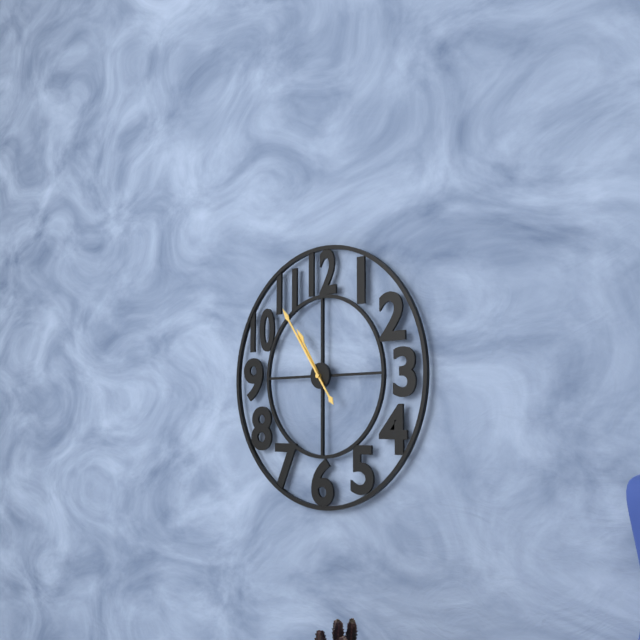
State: h=10 m=54
